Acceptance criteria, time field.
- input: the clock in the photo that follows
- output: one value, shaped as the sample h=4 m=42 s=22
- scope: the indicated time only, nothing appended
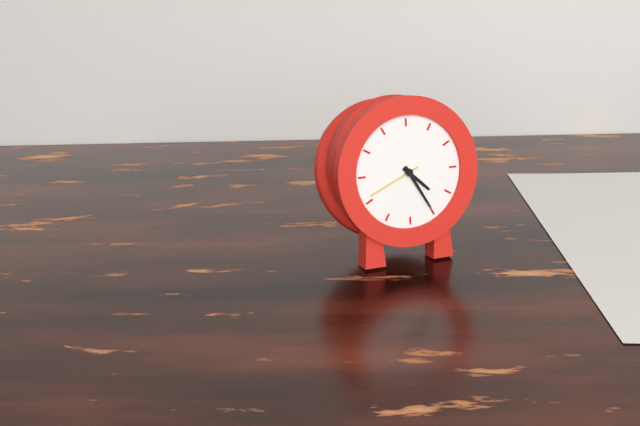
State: h=4 m=25 s=41
